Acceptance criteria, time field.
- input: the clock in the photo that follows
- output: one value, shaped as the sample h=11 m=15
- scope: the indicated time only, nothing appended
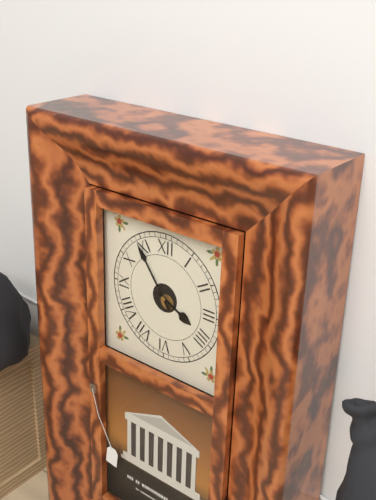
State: h=3 m=54
